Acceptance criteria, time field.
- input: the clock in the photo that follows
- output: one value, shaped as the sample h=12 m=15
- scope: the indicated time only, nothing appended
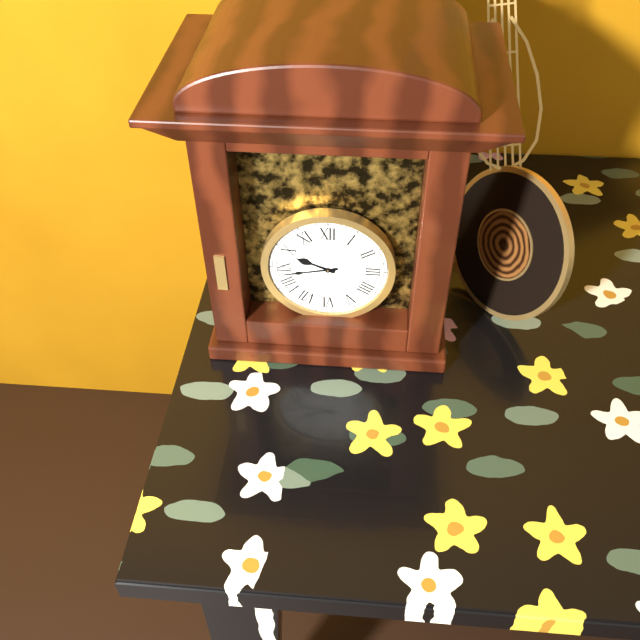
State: h=9 m=43
